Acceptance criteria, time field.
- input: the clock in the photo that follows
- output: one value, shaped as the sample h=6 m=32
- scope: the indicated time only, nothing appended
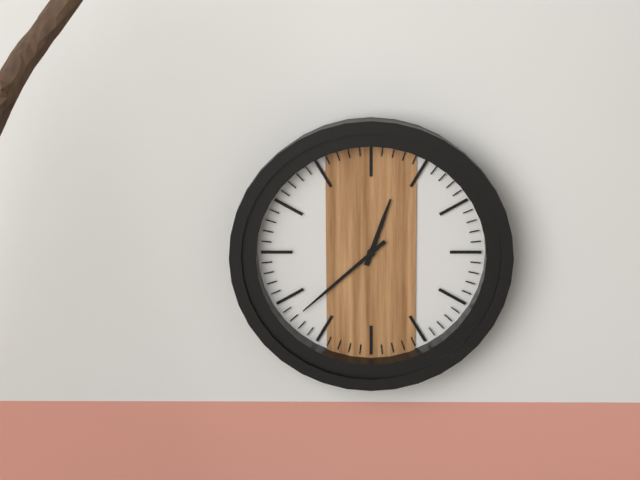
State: h=12 m=38
